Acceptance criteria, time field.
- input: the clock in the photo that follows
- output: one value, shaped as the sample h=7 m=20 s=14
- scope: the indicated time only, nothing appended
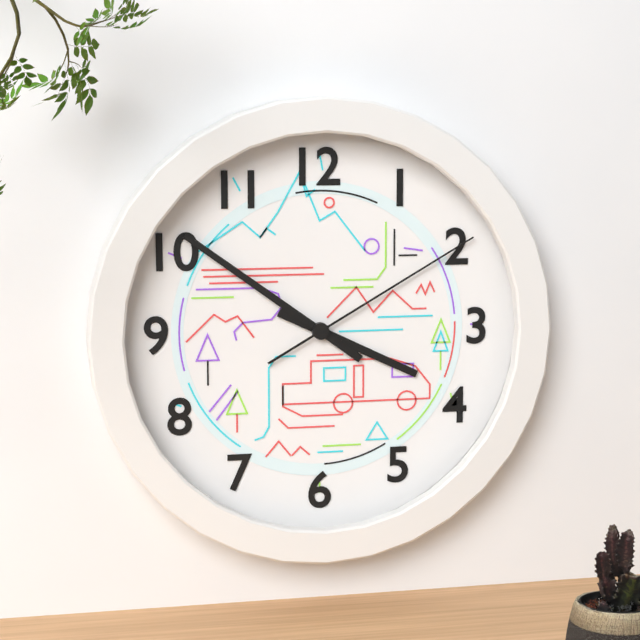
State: h=3 m=51 s=10
